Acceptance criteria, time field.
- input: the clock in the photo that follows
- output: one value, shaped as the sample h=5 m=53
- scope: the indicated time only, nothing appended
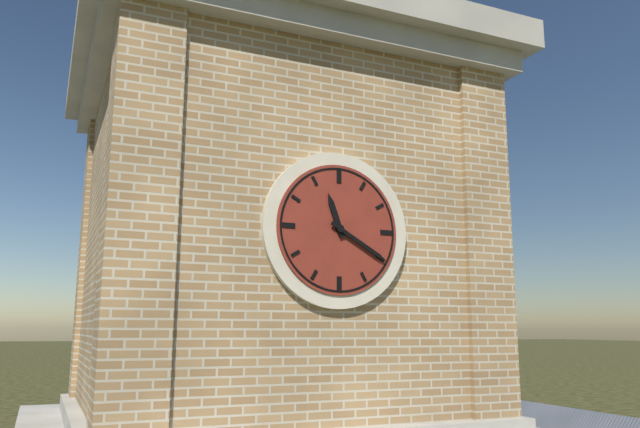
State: h=11 m=20
